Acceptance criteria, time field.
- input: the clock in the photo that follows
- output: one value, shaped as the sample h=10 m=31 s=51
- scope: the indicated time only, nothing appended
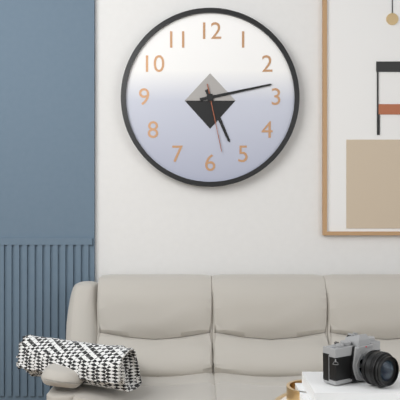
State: h=5 m=13 s=28
